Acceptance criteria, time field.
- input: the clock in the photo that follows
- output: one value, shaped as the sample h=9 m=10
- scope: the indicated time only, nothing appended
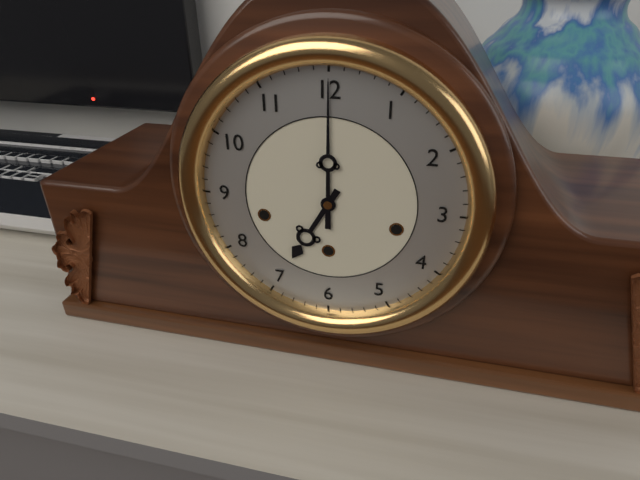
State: h=7 m=0
